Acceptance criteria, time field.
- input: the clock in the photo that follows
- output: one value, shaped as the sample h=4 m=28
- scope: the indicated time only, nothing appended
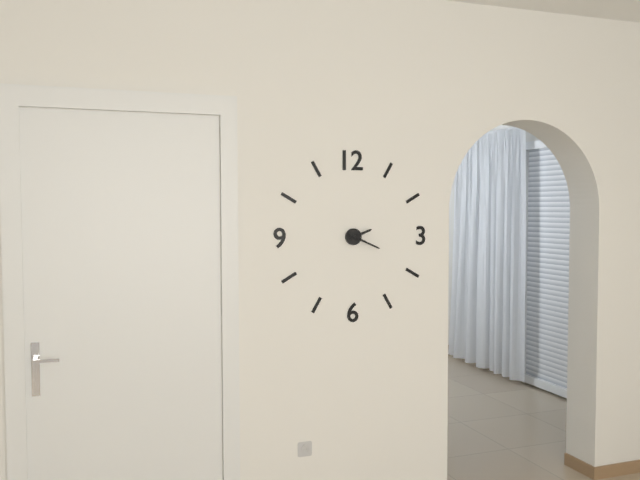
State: h=2 m=19
